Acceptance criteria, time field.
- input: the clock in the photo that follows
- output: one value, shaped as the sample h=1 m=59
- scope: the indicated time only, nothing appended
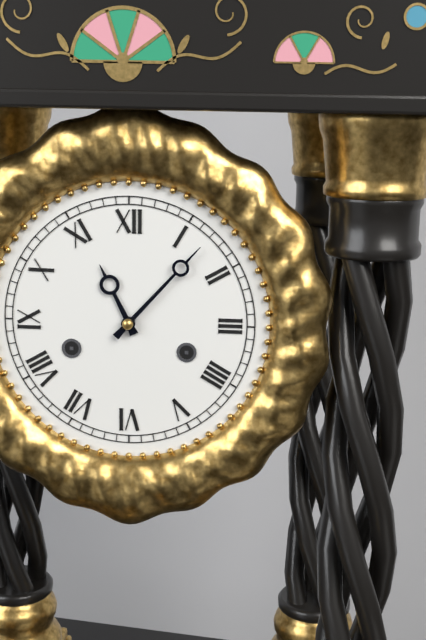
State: h=11 m=7
